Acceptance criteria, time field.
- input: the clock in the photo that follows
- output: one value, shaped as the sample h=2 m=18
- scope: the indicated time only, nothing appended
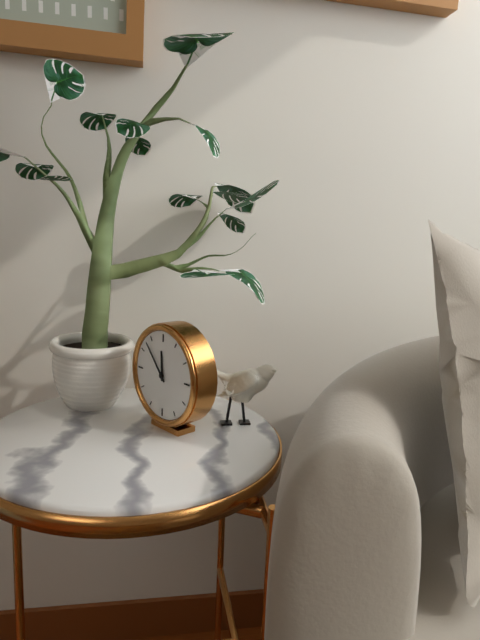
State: h=11 m=53
